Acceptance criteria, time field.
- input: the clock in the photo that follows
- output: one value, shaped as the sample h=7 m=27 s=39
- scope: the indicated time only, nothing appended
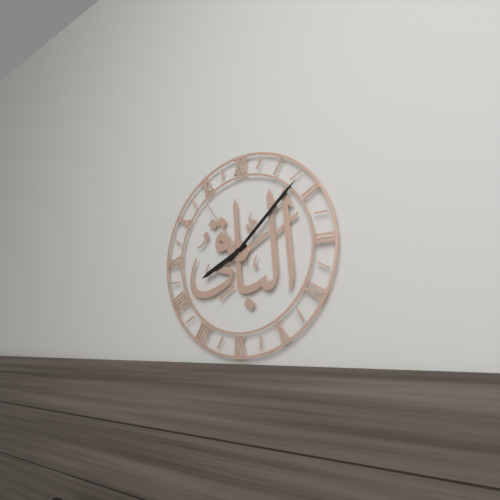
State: h=8 m=8 s=54
